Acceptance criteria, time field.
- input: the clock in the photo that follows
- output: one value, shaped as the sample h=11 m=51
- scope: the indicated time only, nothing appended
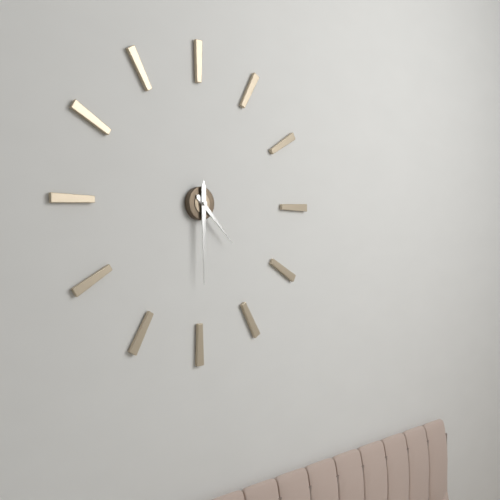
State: h=4 m=30
